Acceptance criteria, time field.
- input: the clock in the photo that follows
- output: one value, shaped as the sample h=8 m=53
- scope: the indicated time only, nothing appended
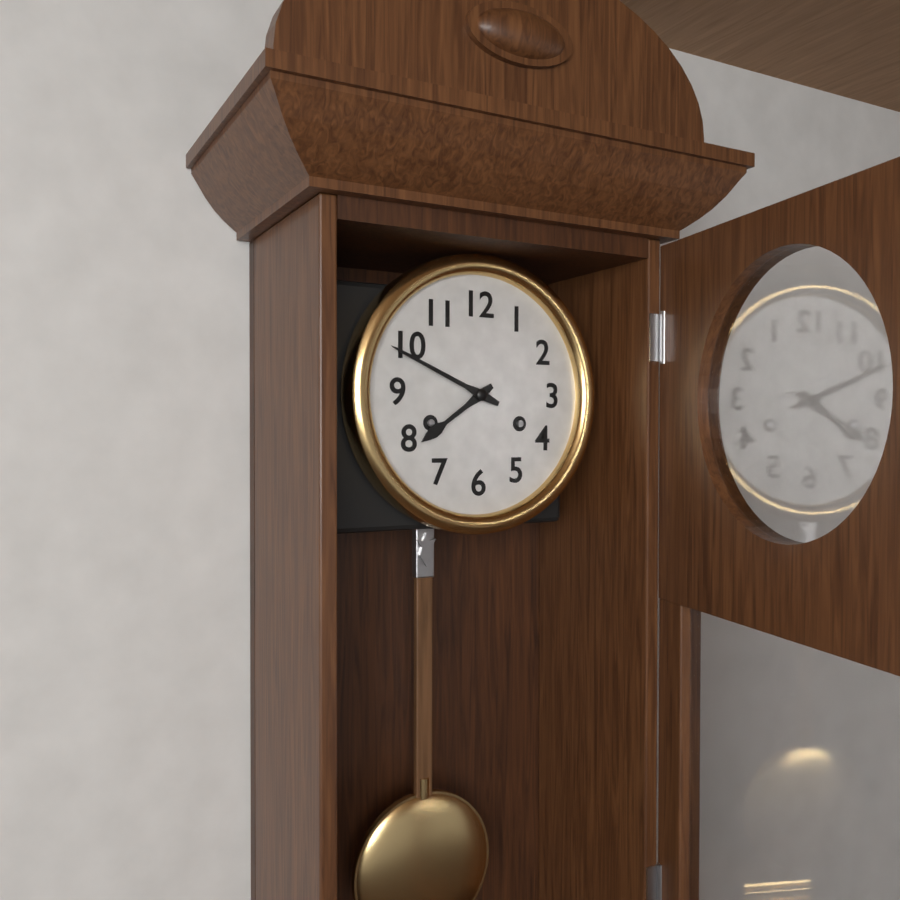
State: h=7 m=49
